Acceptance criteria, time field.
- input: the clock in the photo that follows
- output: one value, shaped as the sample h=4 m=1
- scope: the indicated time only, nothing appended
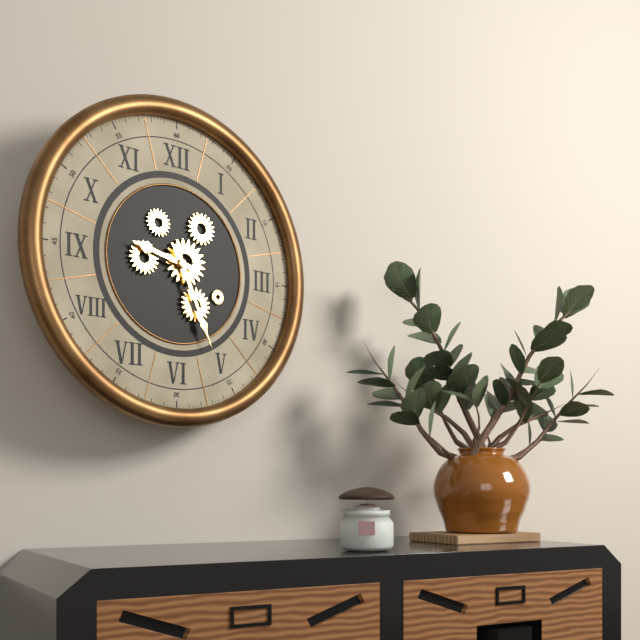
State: h=9 m=26
